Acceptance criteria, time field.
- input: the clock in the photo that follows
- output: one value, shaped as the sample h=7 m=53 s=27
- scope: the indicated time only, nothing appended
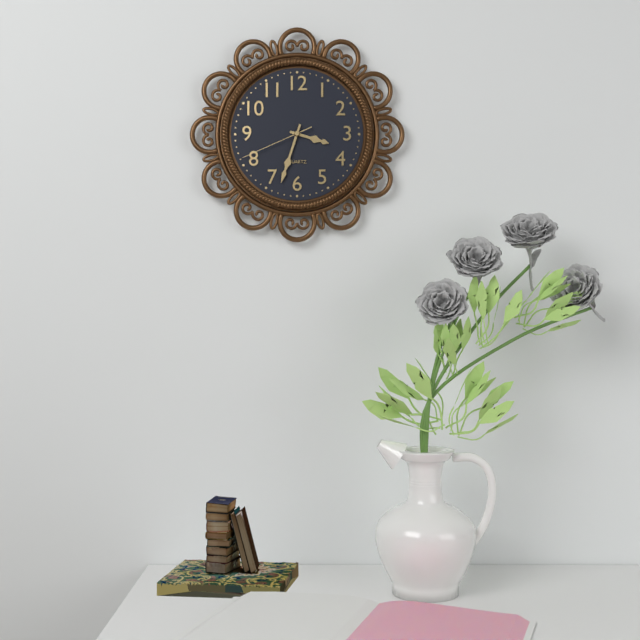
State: h=3 m=33 s=41
